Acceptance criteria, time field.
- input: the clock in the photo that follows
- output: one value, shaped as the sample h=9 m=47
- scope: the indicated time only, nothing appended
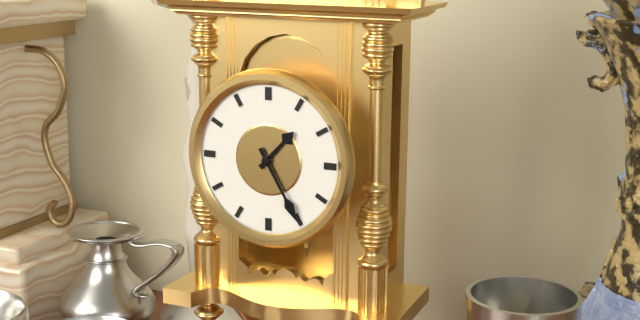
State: h=1 m=25
